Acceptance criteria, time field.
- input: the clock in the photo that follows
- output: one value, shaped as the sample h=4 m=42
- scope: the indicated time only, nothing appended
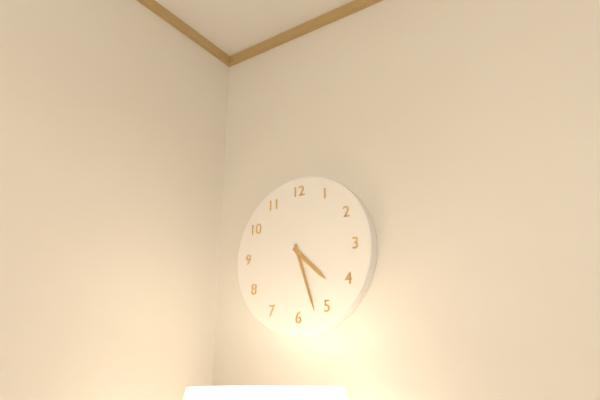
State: h=4 m=27
